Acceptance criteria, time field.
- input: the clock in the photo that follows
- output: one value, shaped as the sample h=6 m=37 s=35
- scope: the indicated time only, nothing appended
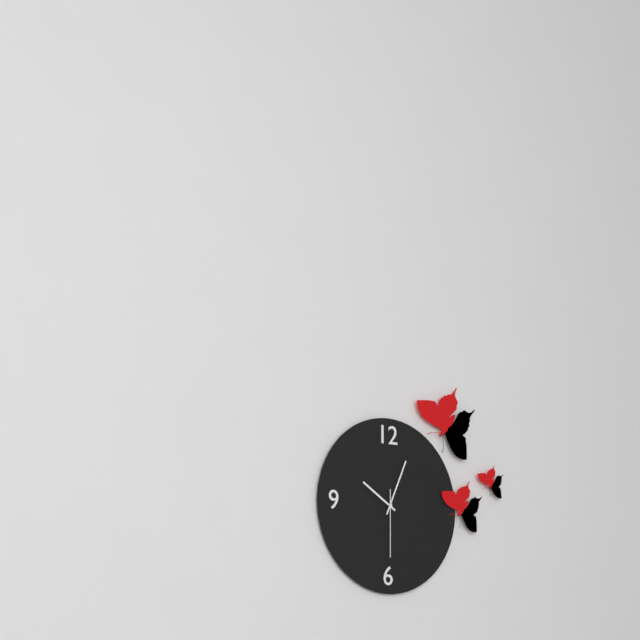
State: h=10 m=4 s=30
